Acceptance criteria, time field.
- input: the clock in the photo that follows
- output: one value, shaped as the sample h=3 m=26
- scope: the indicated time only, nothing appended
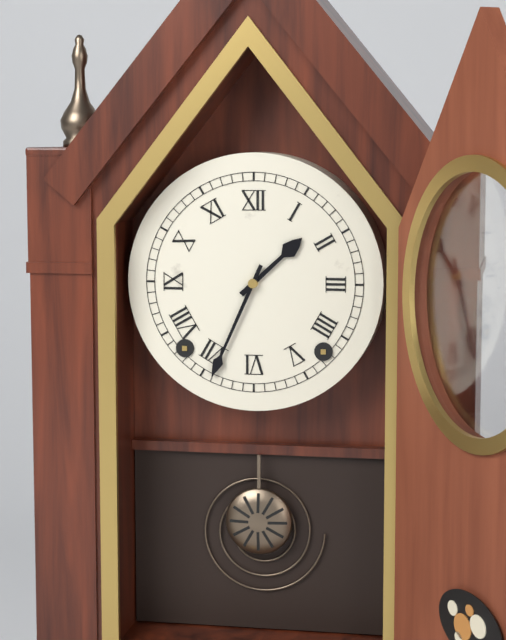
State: h=1 m=34
